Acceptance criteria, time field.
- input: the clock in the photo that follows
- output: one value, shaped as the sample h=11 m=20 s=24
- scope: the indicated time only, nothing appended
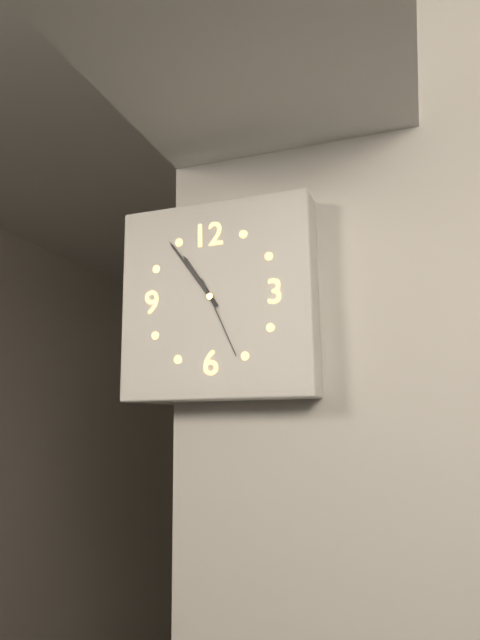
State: h=10 m=54 s=26
